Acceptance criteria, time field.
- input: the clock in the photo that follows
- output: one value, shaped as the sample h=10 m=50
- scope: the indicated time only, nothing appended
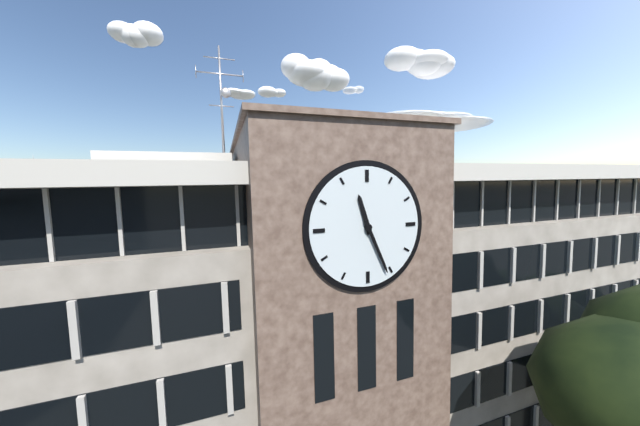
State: h=11 m=26
